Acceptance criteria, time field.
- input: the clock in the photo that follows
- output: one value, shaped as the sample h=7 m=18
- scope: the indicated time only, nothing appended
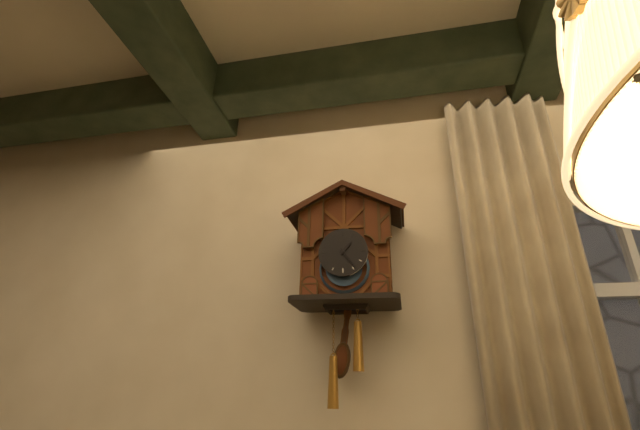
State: h=1 m=24
